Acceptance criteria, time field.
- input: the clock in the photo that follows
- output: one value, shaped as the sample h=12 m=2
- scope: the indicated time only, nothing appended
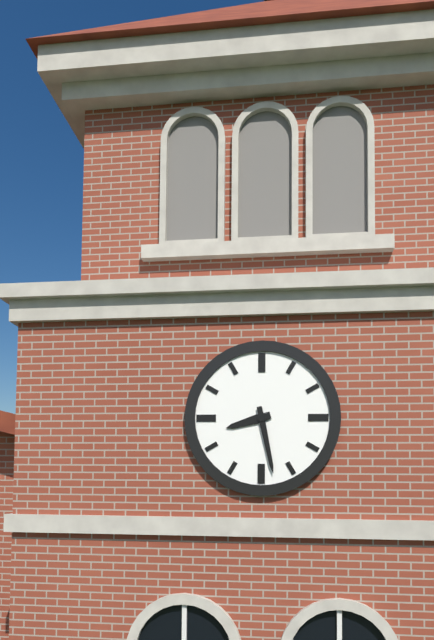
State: h=8 m=28
